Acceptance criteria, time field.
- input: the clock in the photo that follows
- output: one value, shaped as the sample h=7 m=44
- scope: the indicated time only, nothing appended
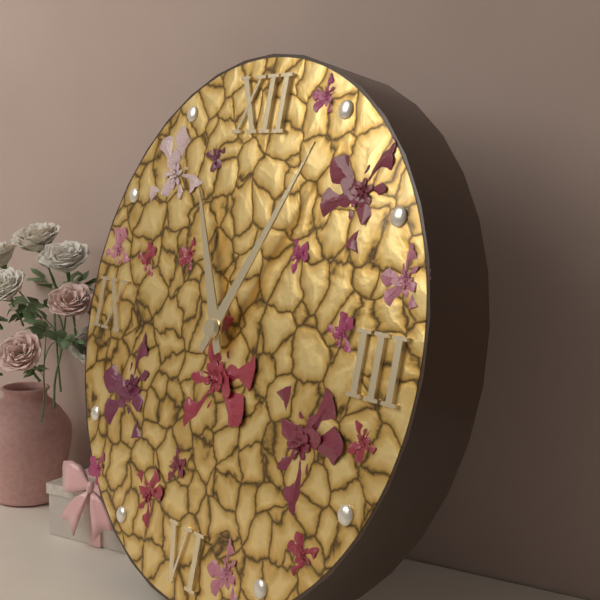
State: h=11 m=5
